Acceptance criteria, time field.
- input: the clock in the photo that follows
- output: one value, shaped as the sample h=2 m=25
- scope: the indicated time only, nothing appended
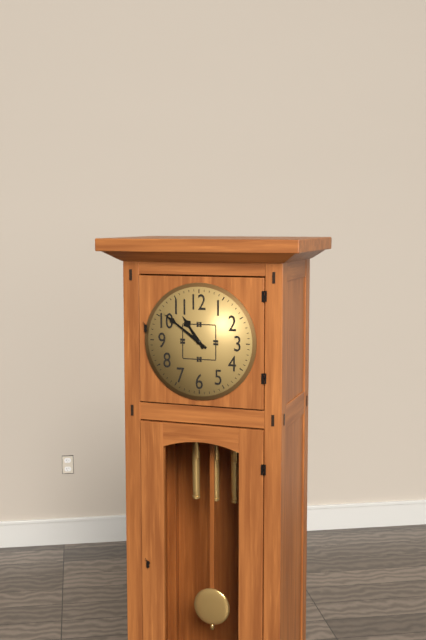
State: h=10 m=51
